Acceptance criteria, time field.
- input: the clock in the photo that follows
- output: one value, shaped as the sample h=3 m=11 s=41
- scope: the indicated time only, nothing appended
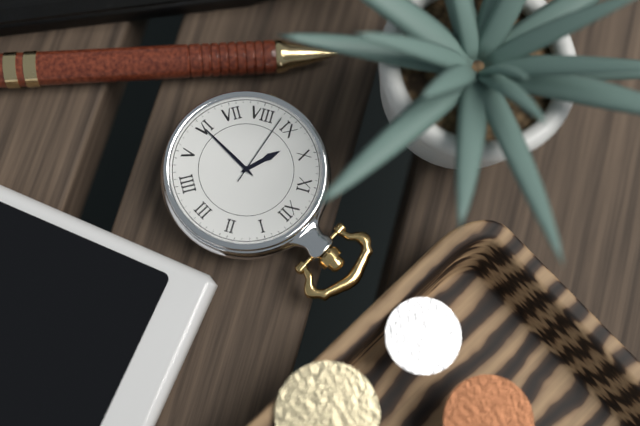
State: h=9 m=30 s=43
